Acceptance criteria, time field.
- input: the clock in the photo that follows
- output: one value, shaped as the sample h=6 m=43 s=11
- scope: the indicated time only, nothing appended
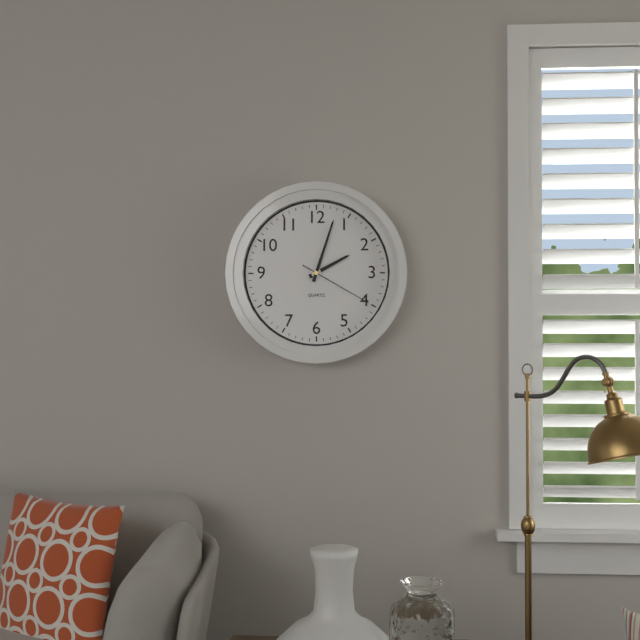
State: h=2 m=3 s=20
